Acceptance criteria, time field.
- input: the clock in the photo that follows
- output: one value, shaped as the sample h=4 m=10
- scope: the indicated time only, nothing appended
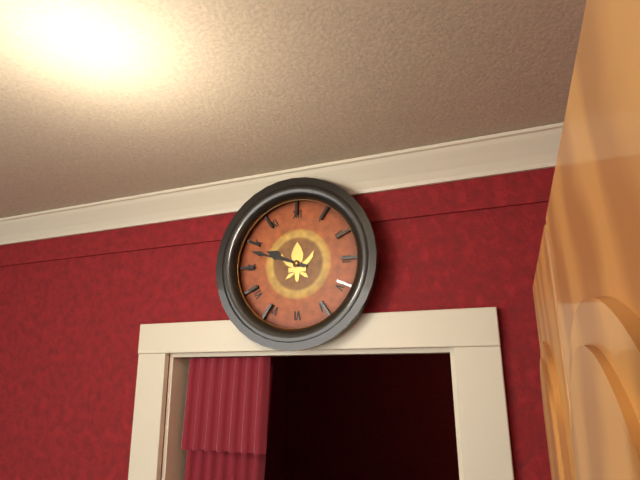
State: h=9 m=48
